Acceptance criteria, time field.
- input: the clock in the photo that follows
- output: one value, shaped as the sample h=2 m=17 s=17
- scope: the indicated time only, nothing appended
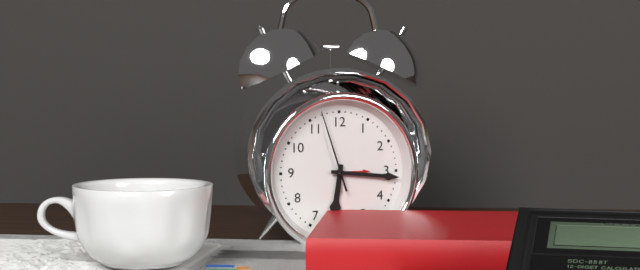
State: h=6 m=16 s=57
